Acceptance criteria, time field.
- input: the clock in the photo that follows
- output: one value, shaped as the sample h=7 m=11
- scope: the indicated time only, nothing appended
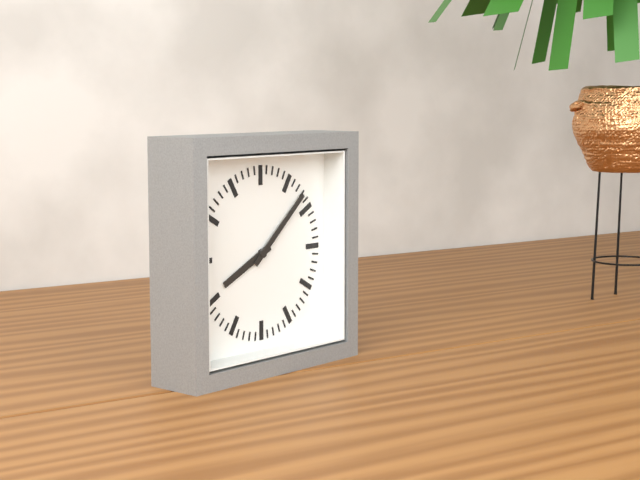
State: h=8 m=8
